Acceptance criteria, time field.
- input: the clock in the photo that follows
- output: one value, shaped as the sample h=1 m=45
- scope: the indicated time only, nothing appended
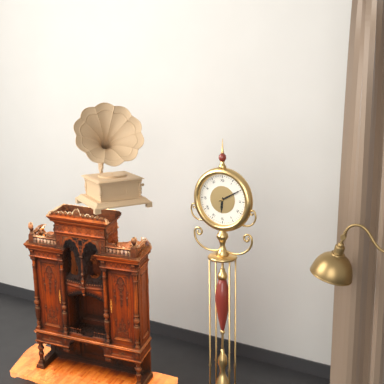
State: h=6 m=10
